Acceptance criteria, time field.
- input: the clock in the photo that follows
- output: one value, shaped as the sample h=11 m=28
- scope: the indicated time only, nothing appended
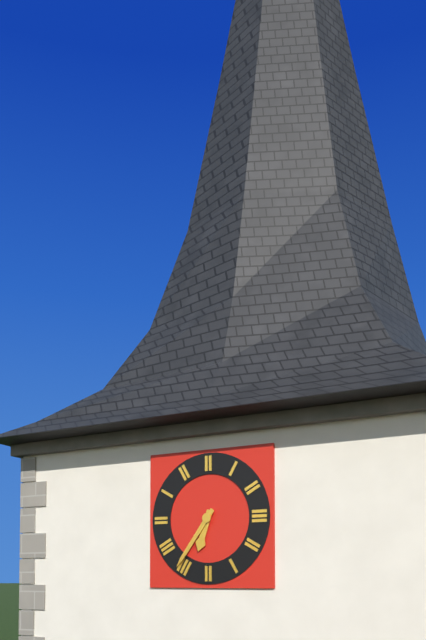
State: h=6 m=36
